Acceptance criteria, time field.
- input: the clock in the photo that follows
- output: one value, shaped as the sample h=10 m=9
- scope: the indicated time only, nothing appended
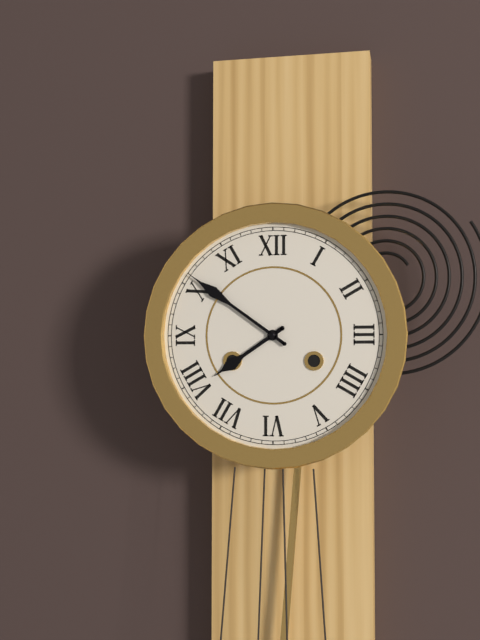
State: h=7 m=51
